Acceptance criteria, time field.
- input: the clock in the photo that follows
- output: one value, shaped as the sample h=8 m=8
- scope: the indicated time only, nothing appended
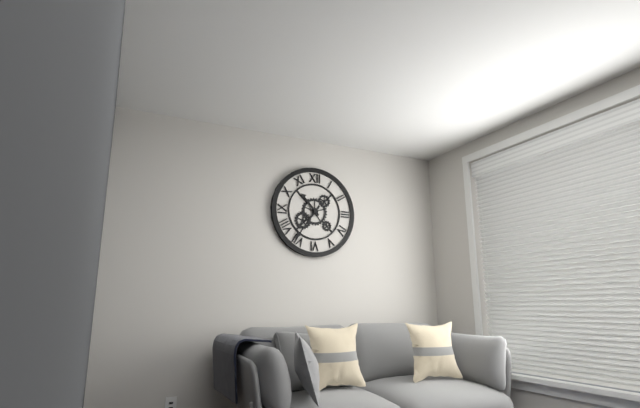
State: h=10 m=36
